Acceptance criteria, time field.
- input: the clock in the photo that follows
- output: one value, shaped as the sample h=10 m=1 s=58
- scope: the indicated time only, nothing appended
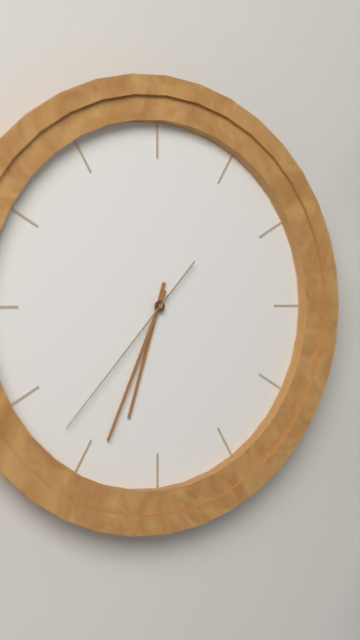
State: h=6 m=34 s=37
